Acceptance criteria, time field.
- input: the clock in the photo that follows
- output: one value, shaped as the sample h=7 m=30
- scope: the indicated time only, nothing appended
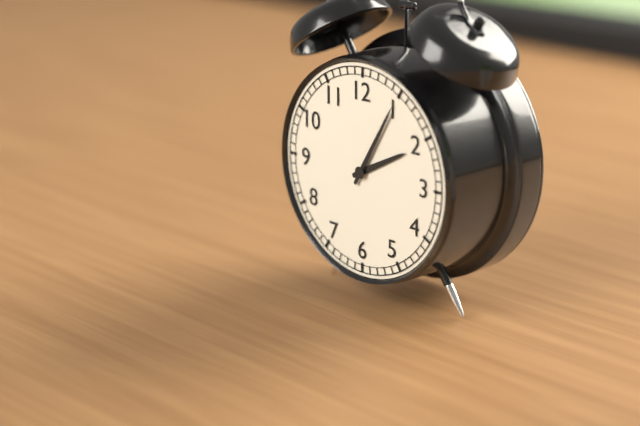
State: h=2 m=5
